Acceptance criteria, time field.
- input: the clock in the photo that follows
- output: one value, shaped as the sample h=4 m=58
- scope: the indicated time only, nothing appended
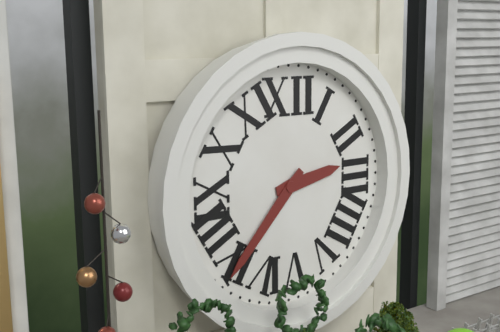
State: h=2 m=37
